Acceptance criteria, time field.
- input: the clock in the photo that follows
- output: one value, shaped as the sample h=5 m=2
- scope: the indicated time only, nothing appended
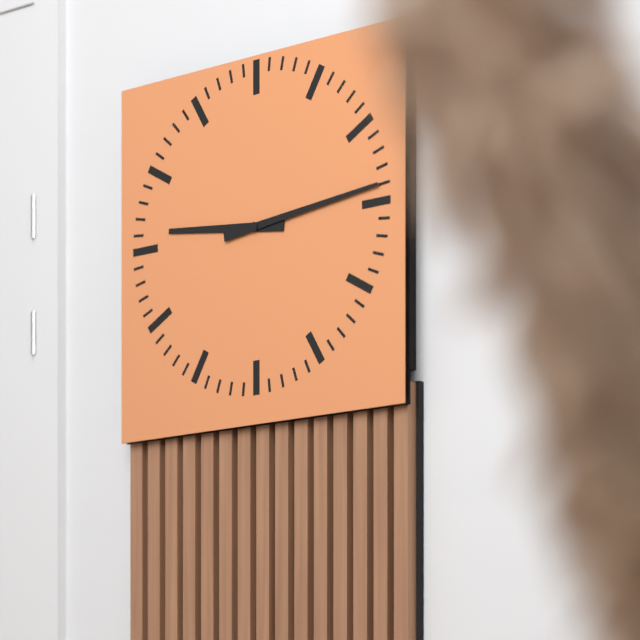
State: h=9 m=14
